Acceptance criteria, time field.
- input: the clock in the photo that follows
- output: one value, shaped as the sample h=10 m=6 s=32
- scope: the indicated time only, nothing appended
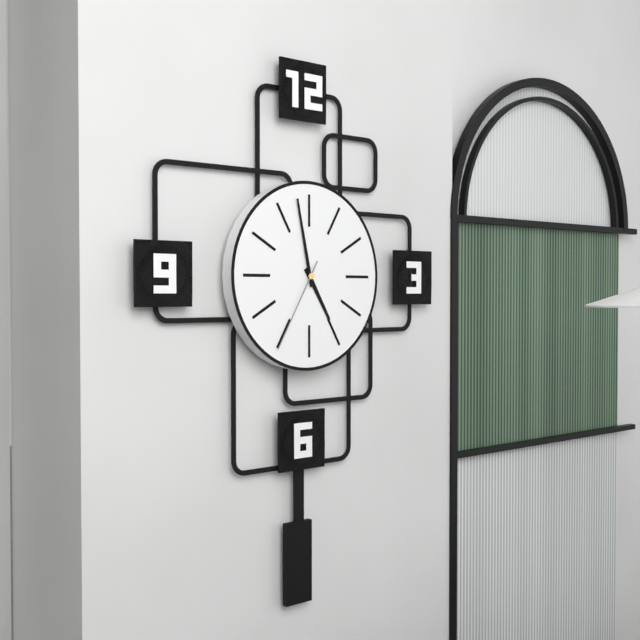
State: h=4 m=58 s=35
